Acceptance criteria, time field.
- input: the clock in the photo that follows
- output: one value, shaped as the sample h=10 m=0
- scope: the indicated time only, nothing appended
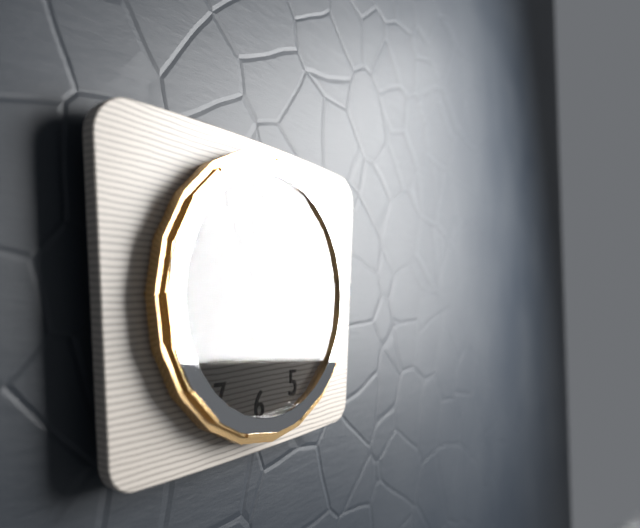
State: h=10 m=58
